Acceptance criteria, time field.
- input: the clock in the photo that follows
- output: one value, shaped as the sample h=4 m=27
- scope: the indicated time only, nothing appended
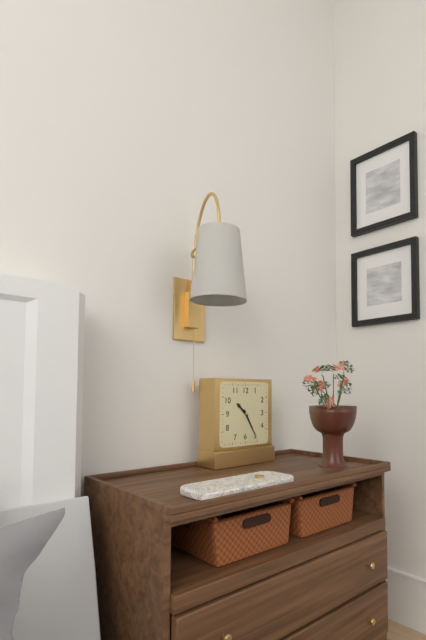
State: h=10 m=25
